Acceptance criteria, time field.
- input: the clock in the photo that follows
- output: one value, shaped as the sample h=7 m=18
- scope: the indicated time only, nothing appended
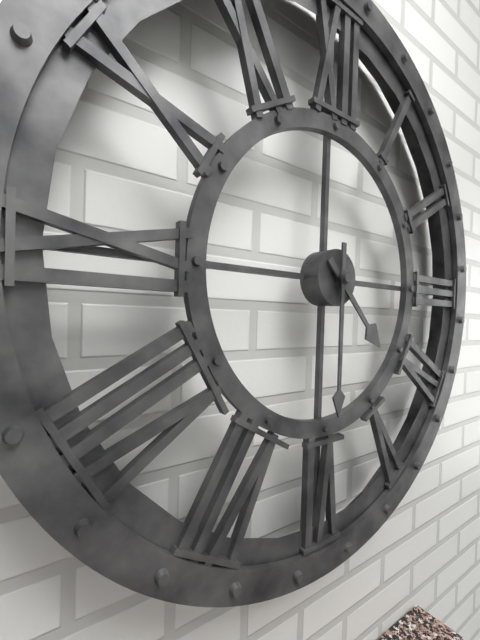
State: h=4 m=30
